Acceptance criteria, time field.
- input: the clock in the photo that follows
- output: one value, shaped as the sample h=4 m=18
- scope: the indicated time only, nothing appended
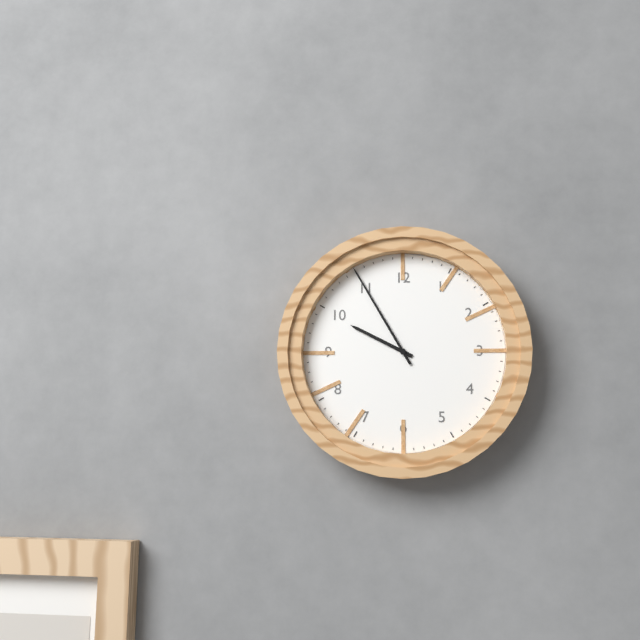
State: h=9 m=55
